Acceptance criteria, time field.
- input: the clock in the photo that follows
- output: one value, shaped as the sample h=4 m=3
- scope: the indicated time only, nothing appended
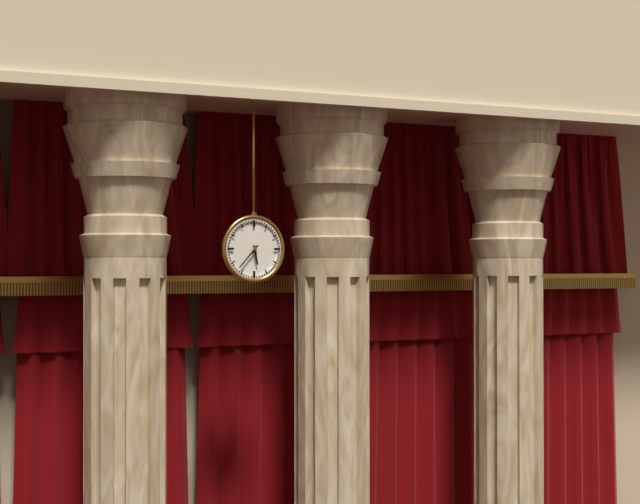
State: h=5 m=37
